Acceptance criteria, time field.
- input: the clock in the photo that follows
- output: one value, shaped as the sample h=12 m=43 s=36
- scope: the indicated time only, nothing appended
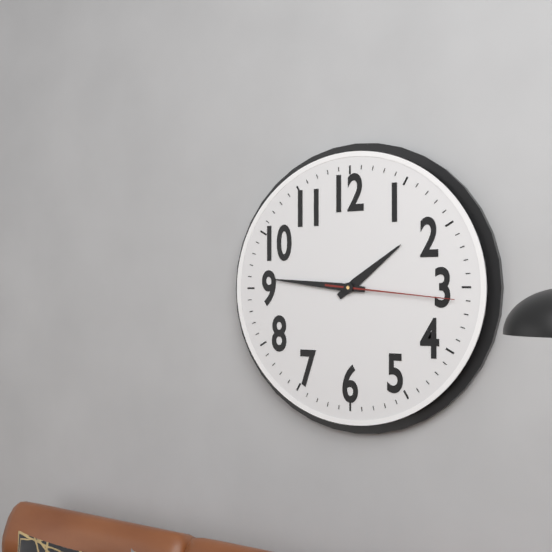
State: h=1 m=46 s=16
